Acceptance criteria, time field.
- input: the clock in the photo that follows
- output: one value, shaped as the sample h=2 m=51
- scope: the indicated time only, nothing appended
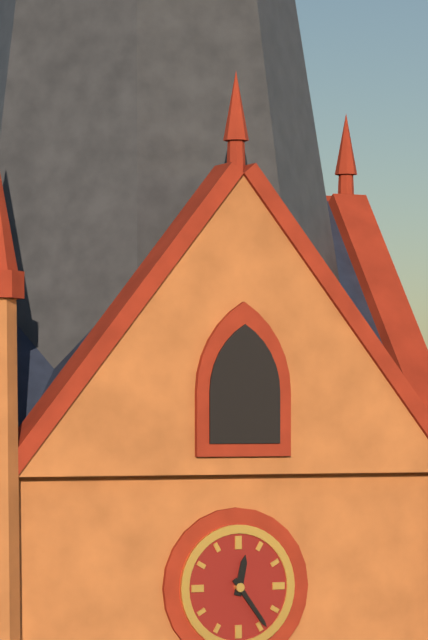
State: h=12 m=24
